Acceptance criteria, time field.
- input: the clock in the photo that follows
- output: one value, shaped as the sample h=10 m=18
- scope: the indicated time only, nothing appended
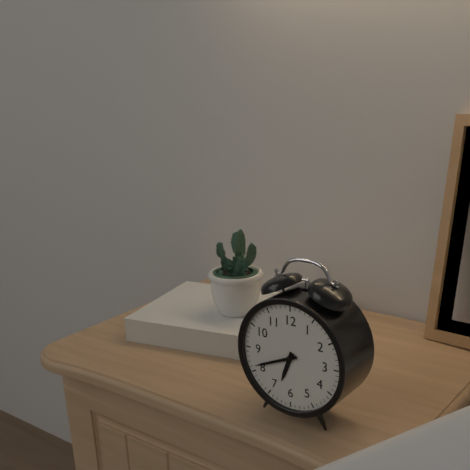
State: h=6 m=41
